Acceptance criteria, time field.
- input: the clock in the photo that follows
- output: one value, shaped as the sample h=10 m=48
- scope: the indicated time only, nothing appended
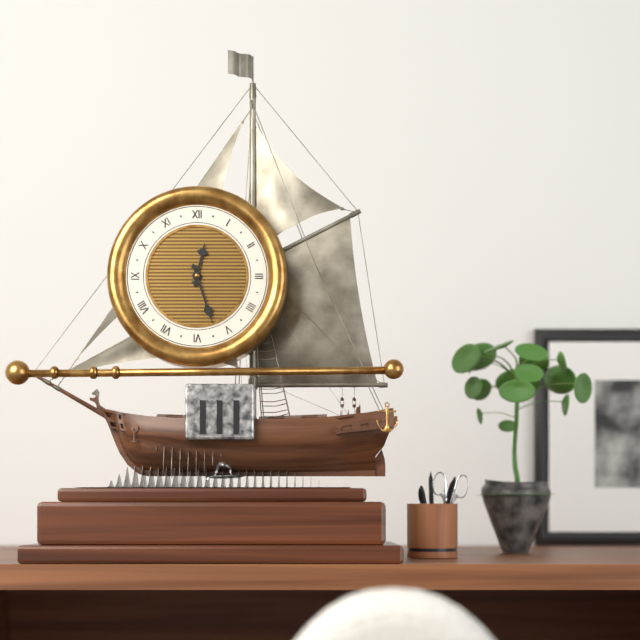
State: h=12 m=27
